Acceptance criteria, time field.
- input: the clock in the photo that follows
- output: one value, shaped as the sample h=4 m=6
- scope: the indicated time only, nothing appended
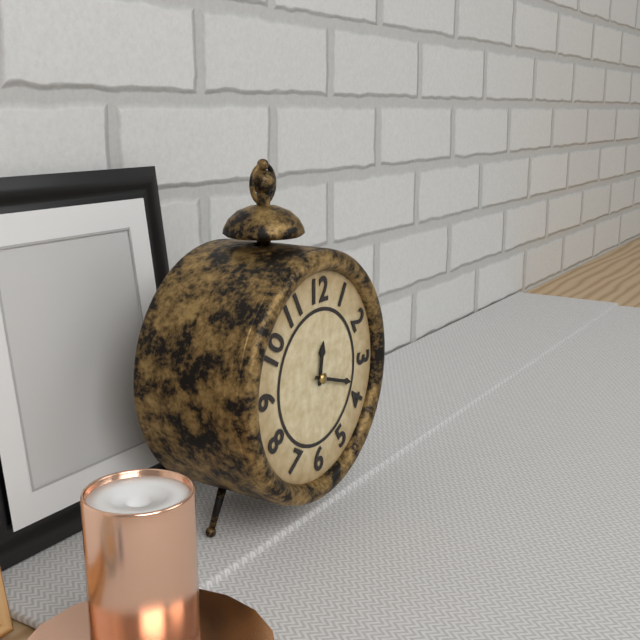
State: h=12 m=18
